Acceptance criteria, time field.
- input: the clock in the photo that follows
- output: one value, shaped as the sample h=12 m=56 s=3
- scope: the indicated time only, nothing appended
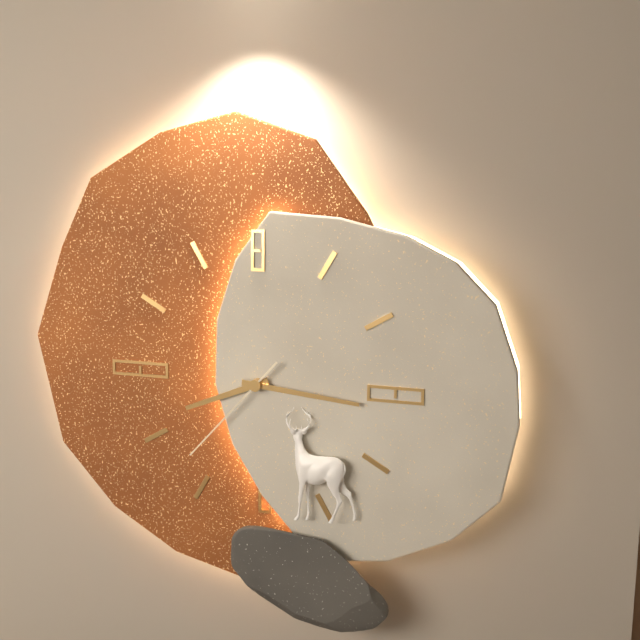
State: h=8 m=16 s=37
